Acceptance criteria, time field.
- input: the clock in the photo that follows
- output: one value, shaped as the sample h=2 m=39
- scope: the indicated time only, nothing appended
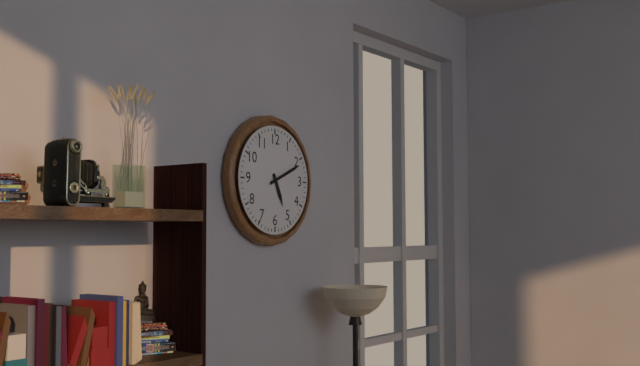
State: h=5 m=11
